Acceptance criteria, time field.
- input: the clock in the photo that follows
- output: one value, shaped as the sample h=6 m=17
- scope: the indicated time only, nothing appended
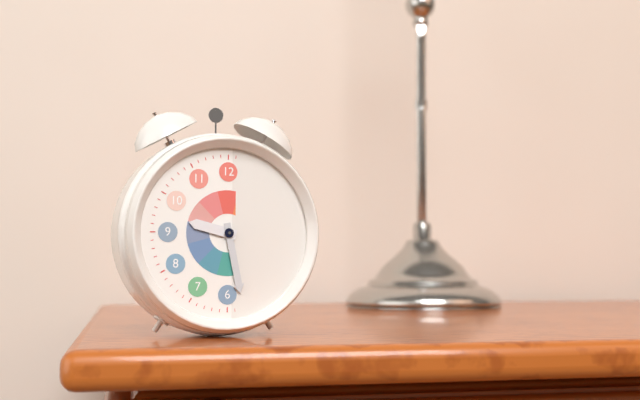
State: h=9 m=28
